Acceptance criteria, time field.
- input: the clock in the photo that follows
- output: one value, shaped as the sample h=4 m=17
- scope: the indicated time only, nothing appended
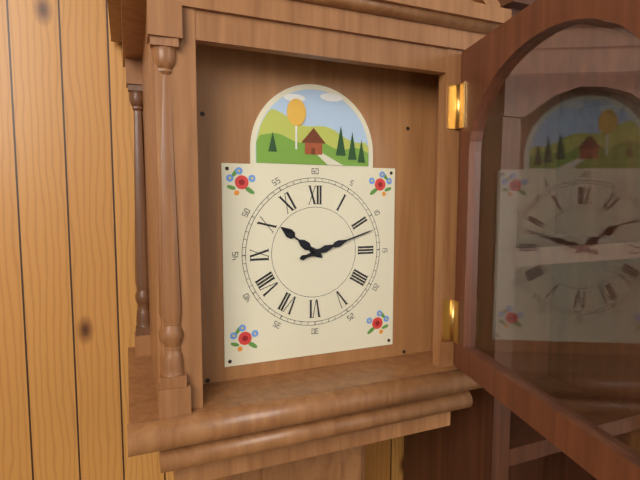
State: h=10 m=12
